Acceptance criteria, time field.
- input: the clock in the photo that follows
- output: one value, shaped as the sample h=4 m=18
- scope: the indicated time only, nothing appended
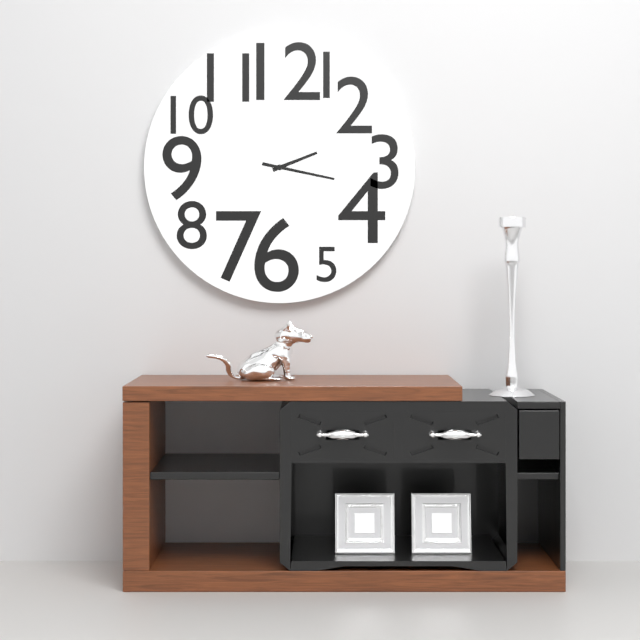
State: h=2 m=17
